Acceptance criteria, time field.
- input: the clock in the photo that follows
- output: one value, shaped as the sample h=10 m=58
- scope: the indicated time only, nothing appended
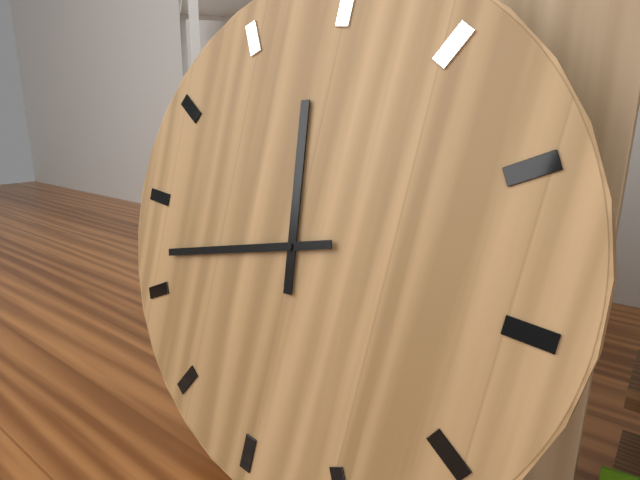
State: h=11 m=42
